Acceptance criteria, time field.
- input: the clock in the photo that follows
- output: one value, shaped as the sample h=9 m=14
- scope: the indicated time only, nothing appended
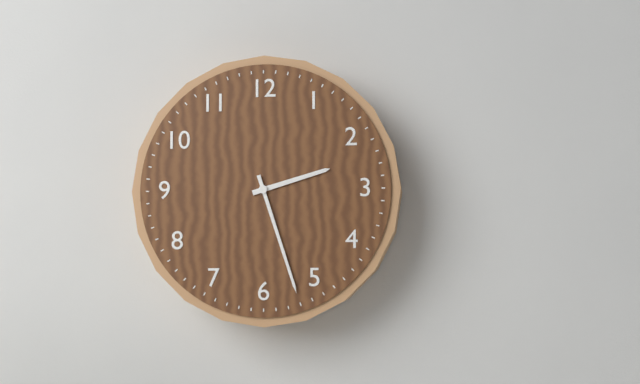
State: h=2 m=27
